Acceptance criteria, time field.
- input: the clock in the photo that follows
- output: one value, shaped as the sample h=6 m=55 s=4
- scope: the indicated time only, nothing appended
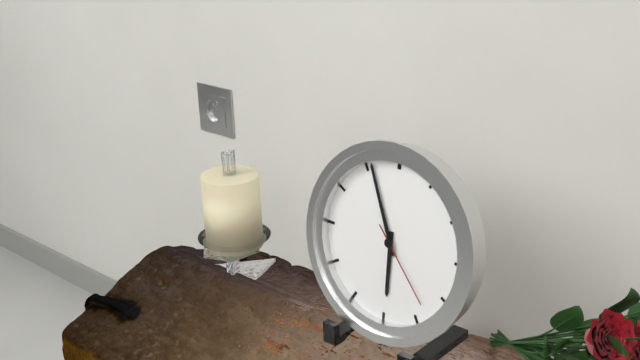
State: h=5 m=56 s=23
